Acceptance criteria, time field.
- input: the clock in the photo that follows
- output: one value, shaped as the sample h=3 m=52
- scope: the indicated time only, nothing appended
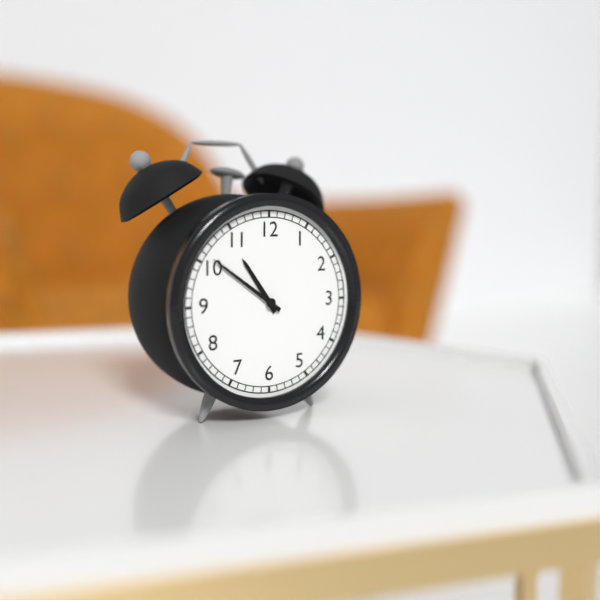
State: h=10 m=51
